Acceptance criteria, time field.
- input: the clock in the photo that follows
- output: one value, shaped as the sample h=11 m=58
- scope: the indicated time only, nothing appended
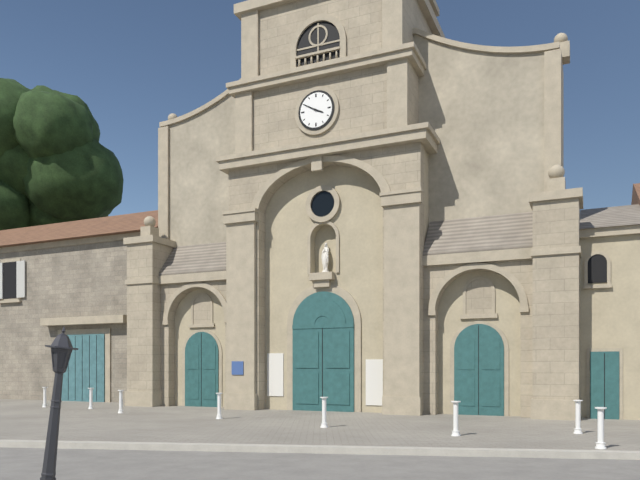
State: h=3 m=50
